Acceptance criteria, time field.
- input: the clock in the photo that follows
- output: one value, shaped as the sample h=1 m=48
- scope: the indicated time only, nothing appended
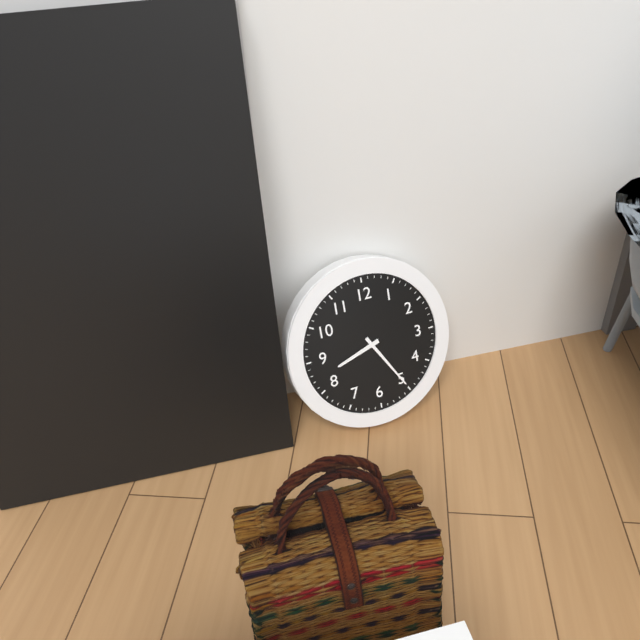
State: h=8 m=25
